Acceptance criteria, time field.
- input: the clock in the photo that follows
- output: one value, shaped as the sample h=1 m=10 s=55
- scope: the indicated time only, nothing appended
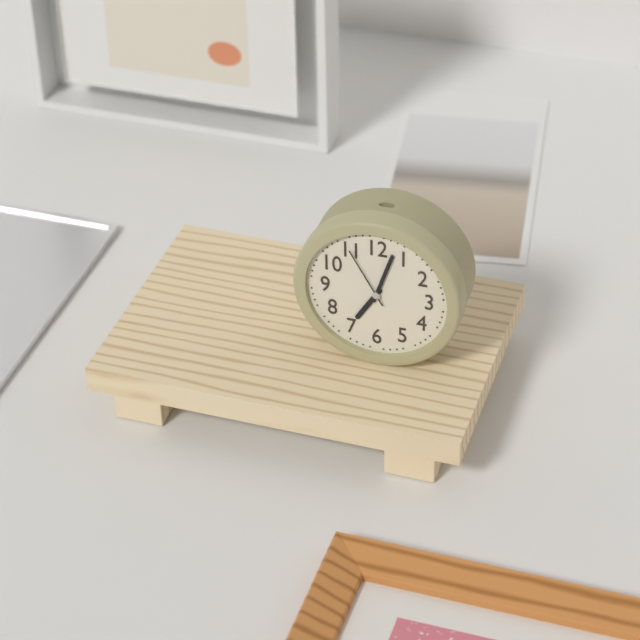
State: h=7 m=3 s=55
